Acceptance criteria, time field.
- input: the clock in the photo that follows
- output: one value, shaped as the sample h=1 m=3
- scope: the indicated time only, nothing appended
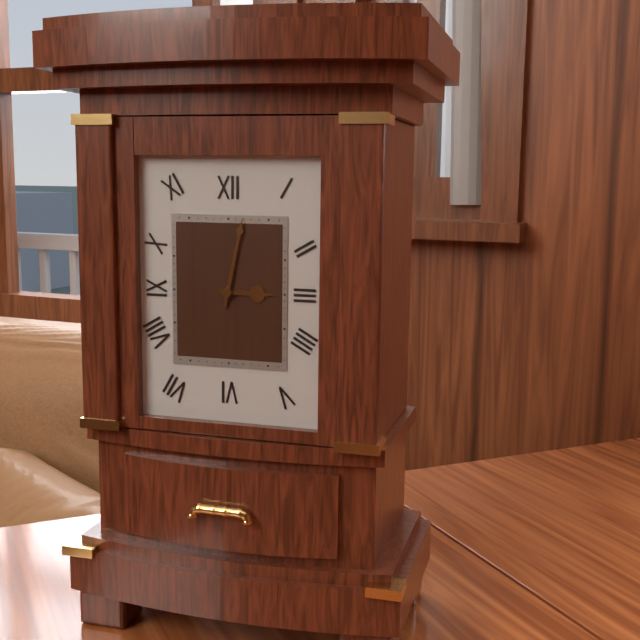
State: h=3 m=2
